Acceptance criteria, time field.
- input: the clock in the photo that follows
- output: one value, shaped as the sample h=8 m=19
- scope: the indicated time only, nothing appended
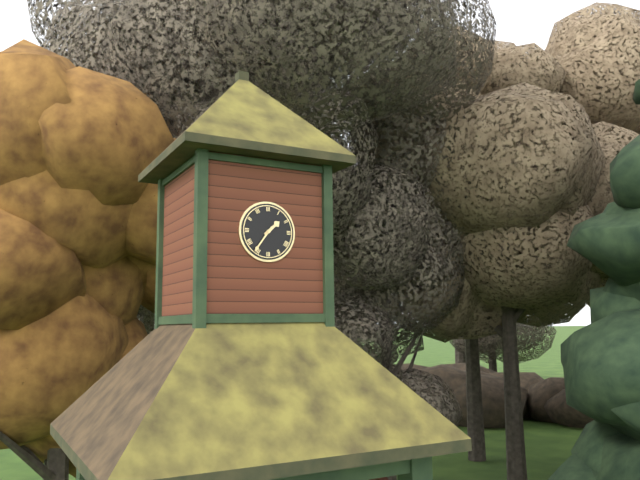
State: h=1 m=36
